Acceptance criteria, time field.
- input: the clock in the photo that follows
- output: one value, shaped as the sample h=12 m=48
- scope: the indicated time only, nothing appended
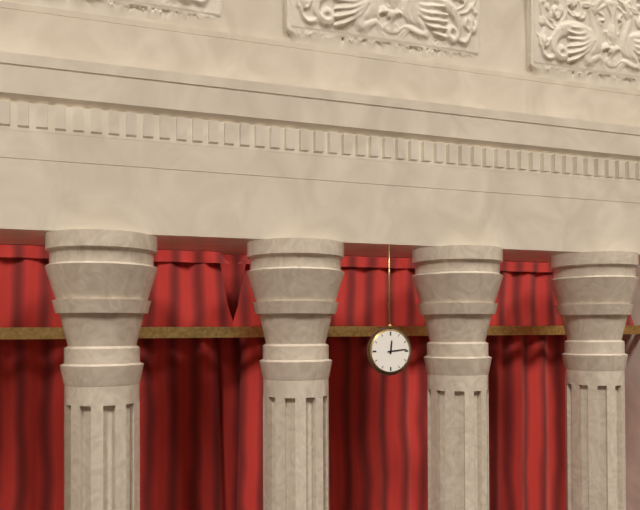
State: h=12 m=14
